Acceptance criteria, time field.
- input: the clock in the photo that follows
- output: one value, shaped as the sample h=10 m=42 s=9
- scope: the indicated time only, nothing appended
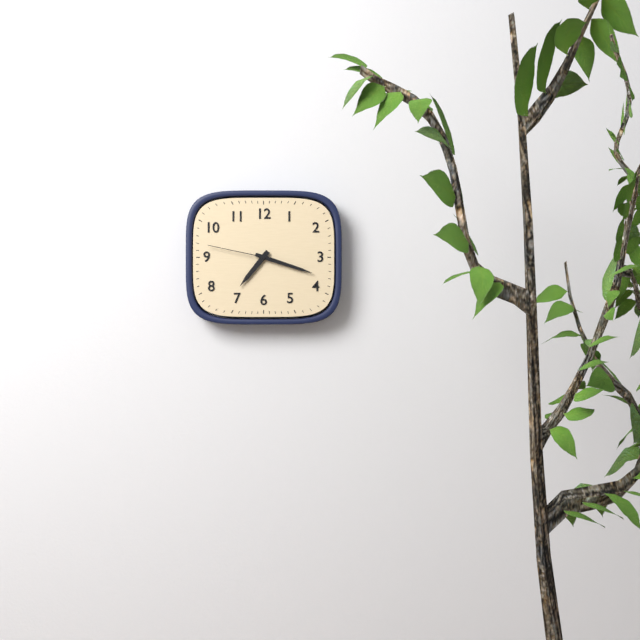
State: h=7 m=18 s=47
